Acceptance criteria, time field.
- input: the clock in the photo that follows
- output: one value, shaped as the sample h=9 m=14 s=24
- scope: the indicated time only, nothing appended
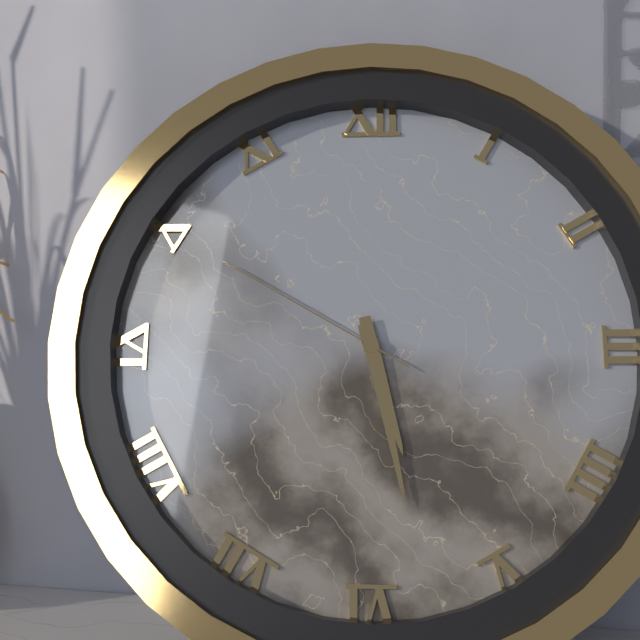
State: h=5 m=28 s=50
